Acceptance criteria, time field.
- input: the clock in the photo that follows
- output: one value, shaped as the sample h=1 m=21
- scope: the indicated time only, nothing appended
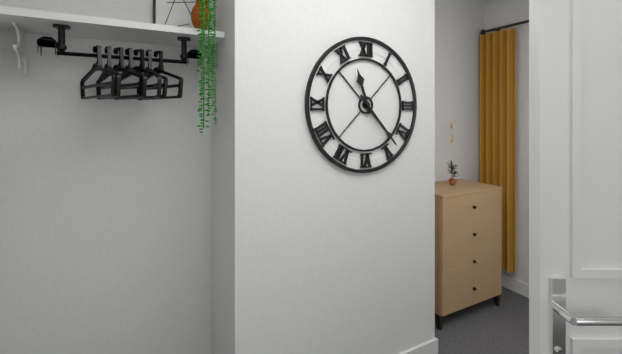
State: h=11 m=23
